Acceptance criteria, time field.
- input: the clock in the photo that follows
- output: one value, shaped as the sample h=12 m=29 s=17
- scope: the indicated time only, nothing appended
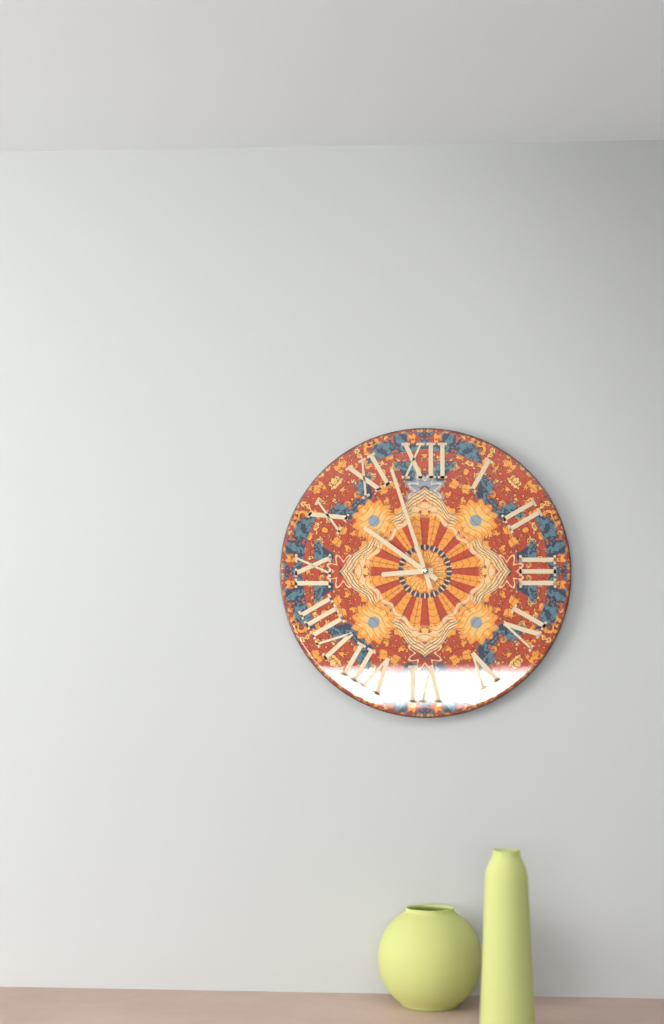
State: h=8 m=51 s=57
